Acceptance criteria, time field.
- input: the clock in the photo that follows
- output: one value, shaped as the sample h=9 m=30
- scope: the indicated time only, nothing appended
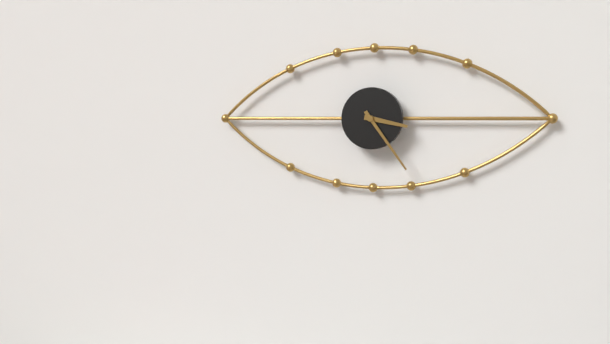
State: h=3 m=24
